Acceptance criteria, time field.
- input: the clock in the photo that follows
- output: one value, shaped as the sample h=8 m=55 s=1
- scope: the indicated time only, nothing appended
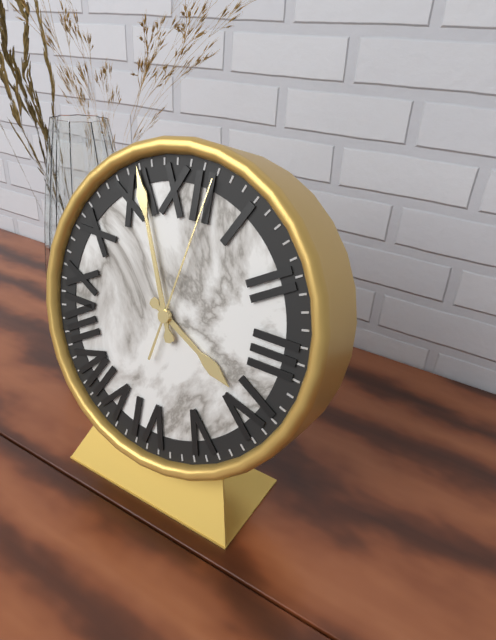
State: h=3 m=56 s=2
